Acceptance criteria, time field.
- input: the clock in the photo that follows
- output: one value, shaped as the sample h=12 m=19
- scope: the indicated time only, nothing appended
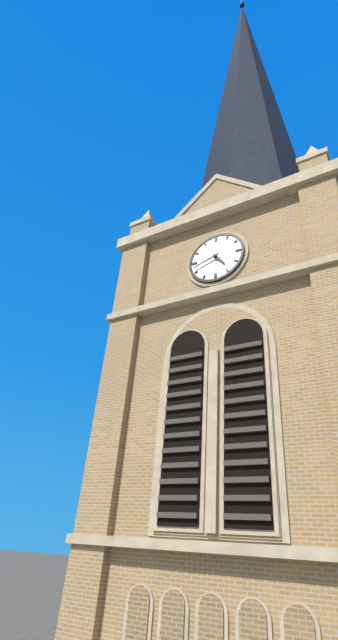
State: h=4 m=42
